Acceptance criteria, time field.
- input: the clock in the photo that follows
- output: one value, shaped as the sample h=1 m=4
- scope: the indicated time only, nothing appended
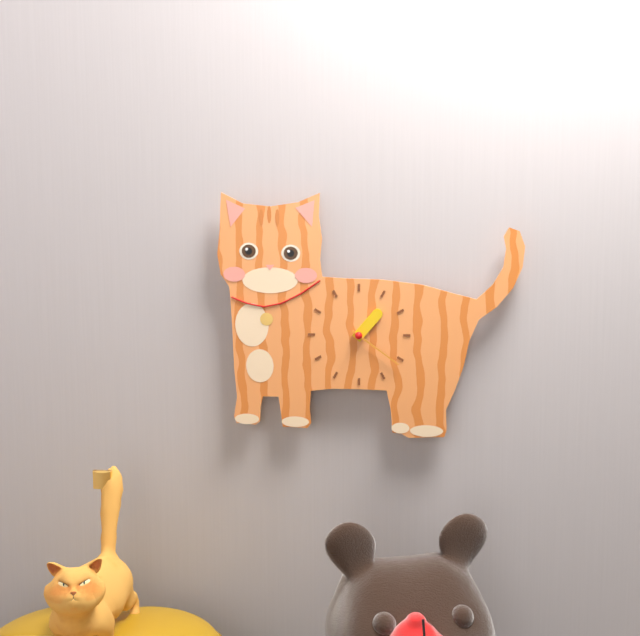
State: h=1 m=21
